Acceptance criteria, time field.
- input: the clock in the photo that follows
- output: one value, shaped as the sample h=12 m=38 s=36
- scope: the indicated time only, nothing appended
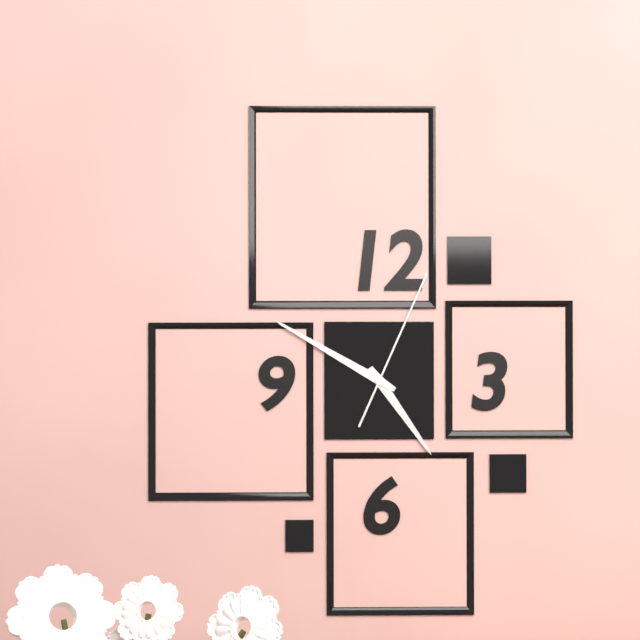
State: h=4 m=50 s=4
